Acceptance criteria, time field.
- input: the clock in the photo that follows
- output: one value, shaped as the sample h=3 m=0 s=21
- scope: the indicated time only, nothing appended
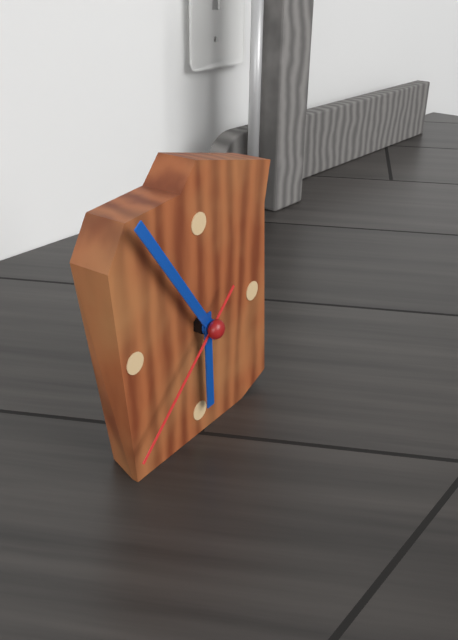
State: h=5 m=54 s=38
